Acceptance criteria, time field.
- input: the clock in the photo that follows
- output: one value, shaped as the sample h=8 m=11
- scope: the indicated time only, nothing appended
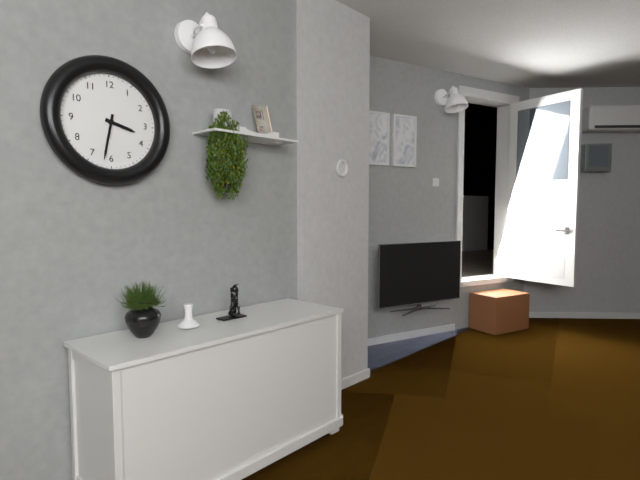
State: h=3 m=32
